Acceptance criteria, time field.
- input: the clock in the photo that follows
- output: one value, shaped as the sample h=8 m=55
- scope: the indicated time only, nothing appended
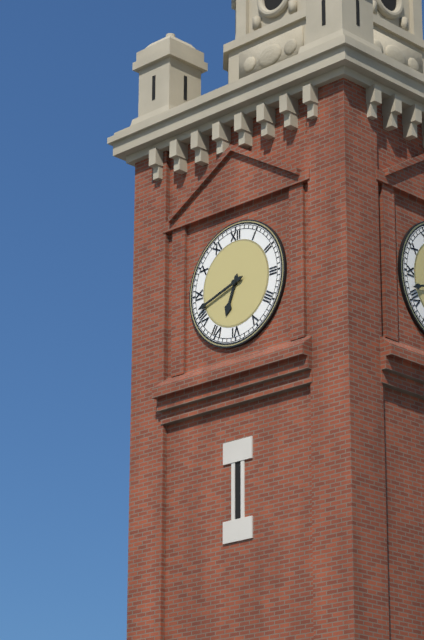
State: h=6 m=42
